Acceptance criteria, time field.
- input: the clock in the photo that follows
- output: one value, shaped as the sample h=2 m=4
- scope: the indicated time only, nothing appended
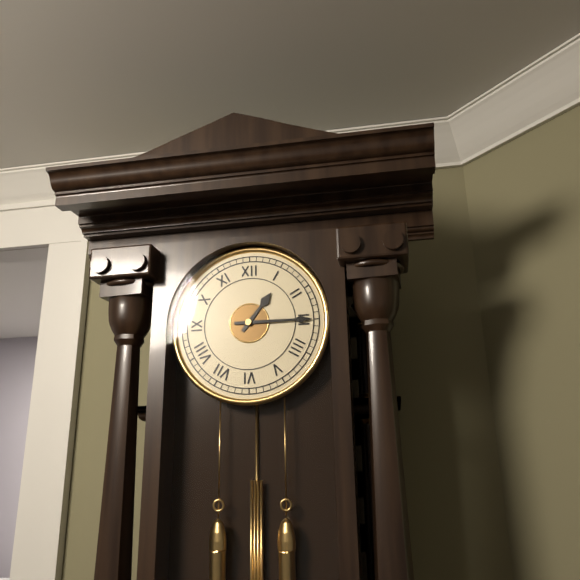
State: h=1 m=15
